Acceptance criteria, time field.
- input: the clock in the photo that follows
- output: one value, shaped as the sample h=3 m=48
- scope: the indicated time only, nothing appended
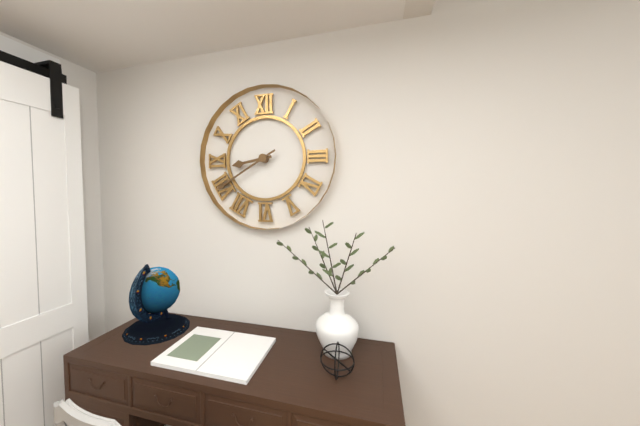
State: h=8 m=40
